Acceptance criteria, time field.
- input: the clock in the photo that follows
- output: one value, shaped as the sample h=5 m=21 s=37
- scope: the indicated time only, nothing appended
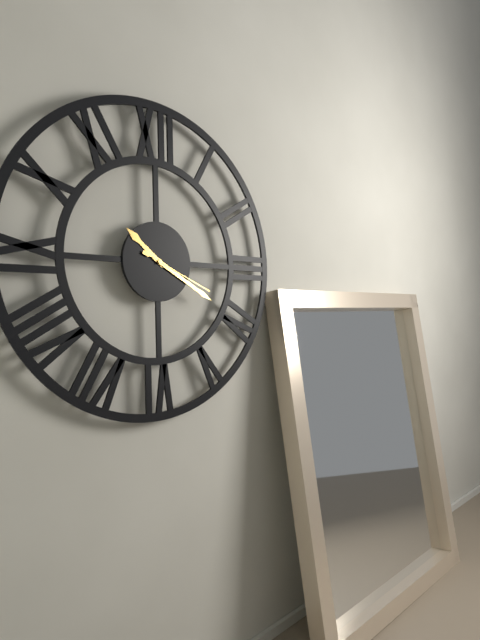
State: h=10 m=20 s=19
